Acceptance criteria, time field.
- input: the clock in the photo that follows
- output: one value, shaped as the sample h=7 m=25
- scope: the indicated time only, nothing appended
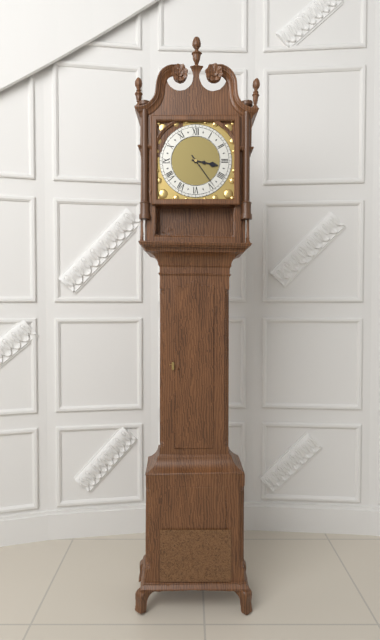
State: h=3 m=24
